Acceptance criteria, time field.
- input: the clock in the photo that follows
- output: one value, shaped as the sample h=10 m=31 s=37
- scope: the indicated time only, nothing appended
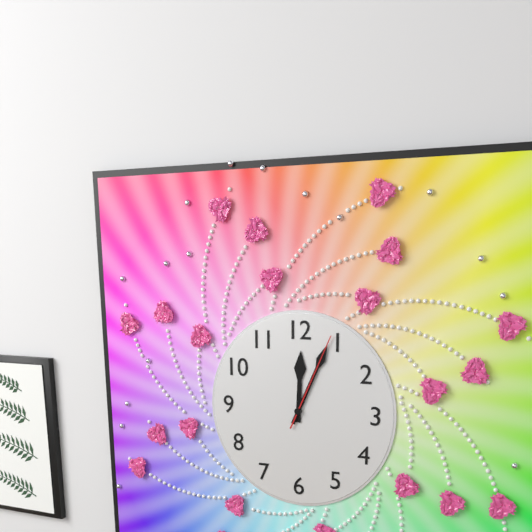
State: h=12 m=4 s=4
